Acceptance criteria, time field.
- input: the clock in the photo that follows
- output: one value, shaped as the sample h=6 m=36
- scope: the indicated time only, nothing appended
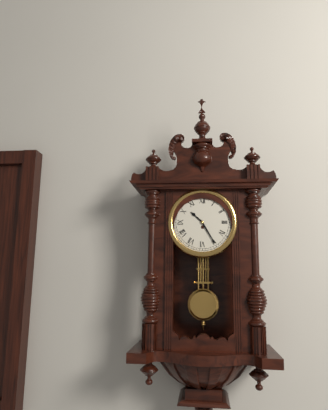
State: h=10 m=25
